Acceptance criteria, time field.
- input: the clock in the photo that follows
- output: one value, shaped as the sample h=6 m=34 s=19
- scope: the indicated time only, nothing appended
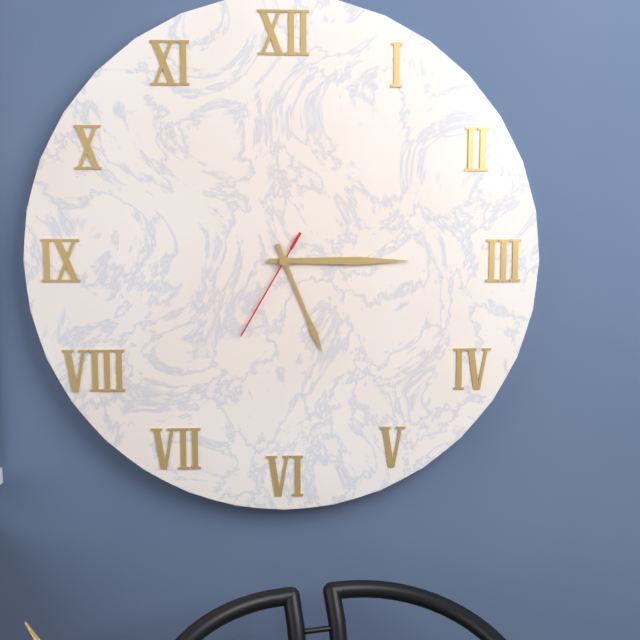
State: h=5 m=15 s=35
